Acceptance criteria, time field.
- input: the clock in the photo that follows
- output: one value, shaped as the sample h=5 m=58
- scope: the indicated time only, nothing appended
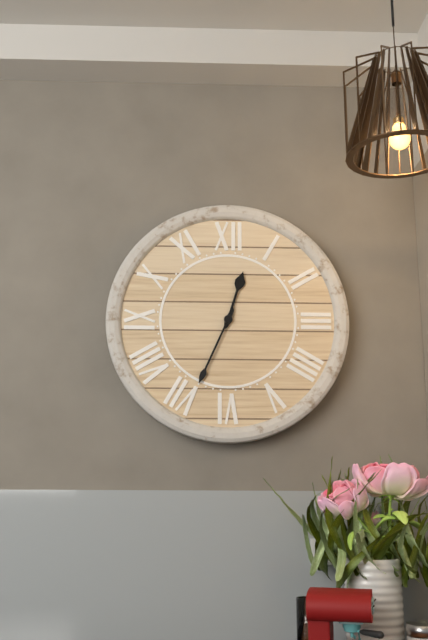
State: h=12 m=34
